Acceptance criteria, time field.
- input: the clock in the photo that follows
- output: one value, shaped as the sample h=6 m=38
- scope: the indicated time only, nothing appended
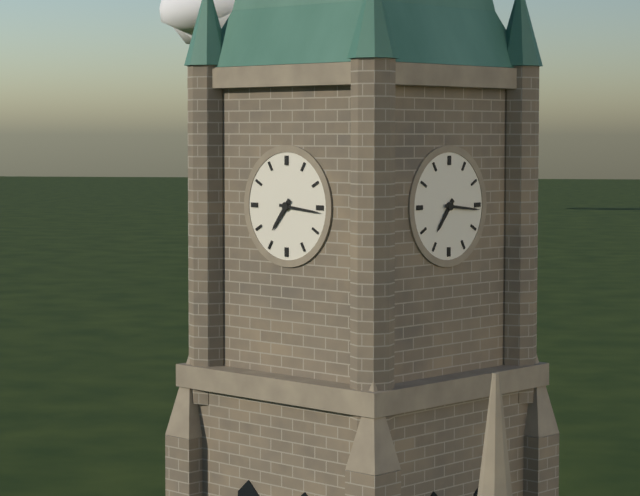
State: h=7 m=16
